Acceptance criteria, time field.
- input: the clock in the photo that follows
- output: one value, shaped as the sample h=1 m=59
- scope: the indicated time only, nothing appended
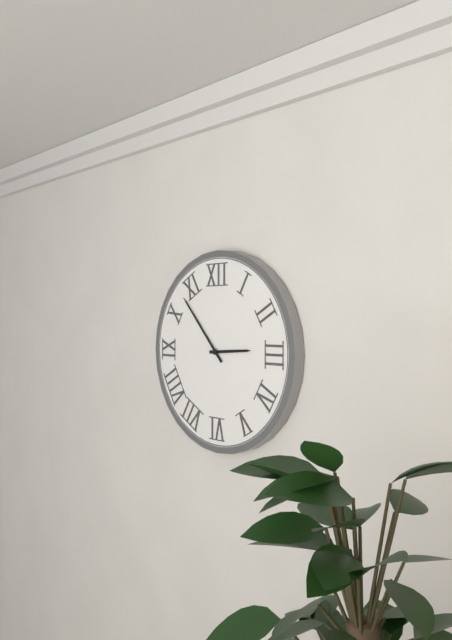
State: h=2 m=53
